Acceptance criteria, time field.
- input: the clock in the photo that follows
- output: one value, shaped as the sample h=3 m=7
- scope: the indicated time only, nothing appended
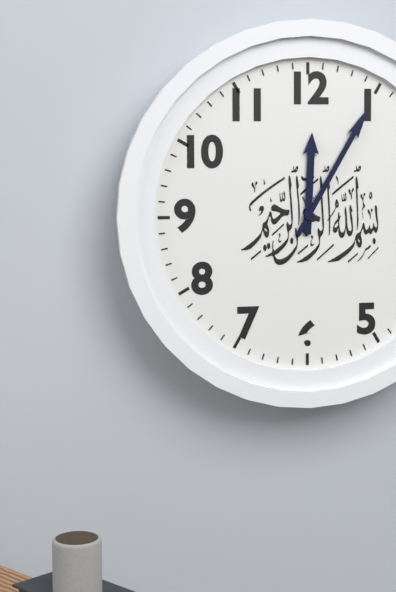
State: h=12 m=5
